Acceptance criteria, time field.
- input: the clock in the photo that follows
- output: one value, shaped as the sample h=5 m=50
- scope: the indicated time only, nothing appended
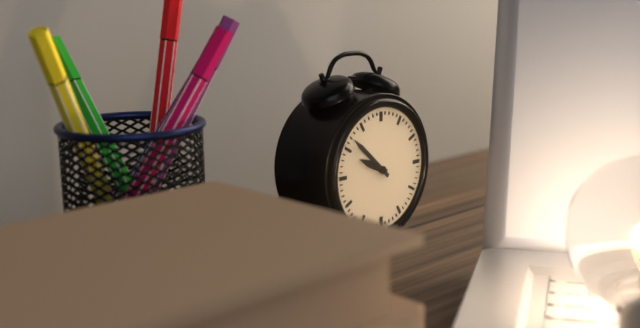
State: h=9 m=52
